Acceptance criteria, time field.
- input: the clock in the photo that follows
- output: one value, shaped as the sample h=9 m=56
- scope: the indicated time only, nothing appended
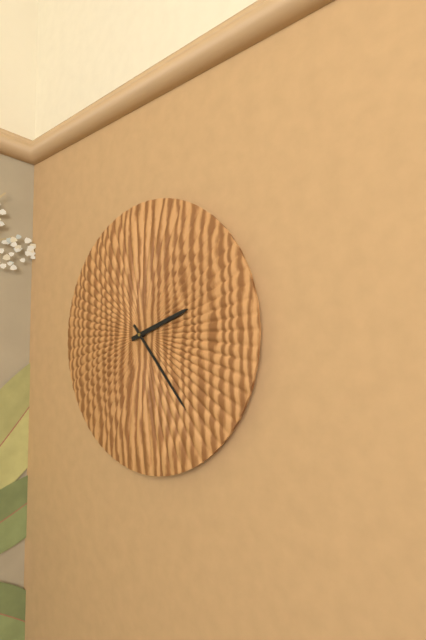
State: h=2 m=23
